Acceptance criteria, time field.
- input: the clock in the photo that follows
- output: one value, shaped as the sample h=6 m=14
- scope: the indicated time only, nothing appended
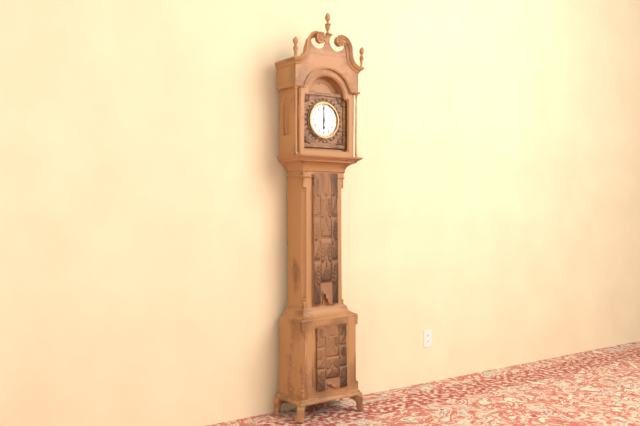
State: h=6 m=0
